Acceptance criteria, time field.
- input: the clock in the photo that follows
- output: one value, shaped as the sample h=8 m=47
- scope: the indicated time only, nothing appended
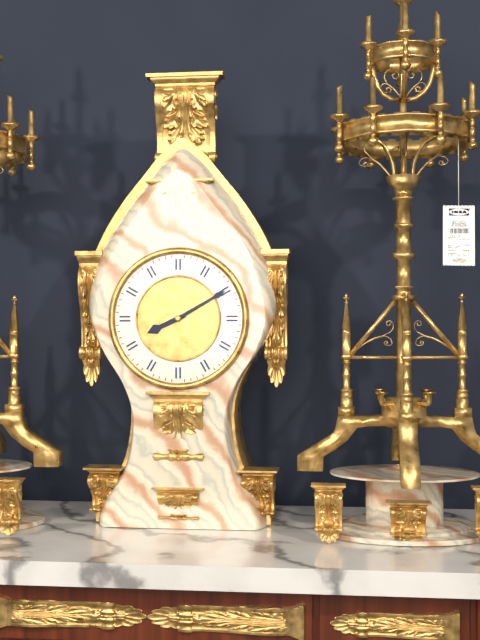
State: h=8 m=10
